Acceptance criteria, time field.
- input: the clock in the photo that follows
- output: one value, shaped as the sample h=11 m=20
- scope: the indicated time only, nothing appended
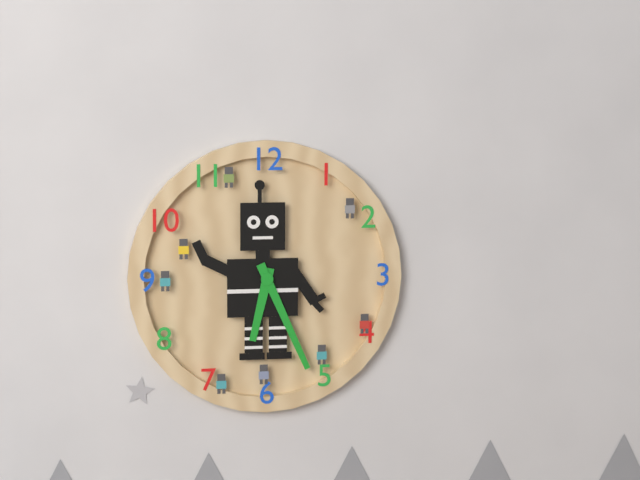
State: h=6 m=26
